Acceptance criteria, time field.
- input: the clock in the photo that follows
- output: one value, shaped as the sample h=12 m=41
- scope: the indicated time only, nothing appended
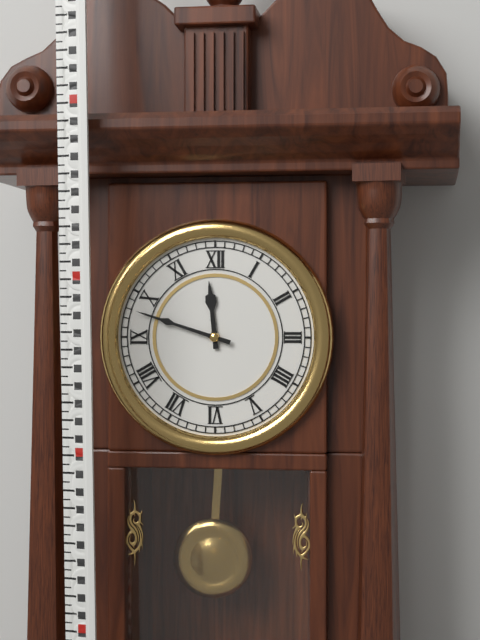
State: h=11 m=48
